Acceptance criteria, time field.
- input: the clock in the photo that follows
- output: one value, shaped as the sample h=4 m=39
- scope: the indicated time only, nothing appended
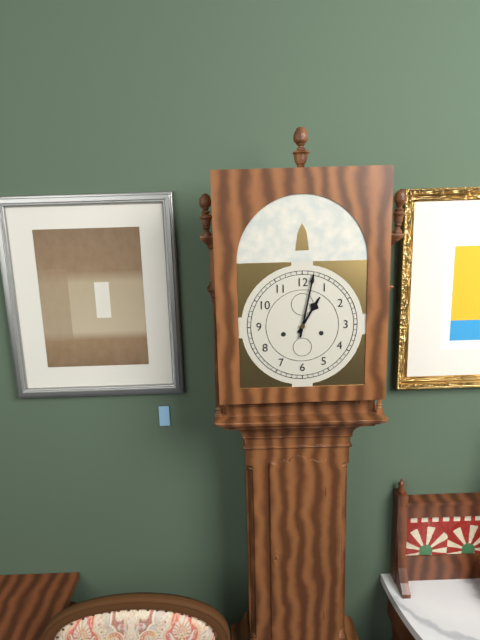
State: h=1 m=2
